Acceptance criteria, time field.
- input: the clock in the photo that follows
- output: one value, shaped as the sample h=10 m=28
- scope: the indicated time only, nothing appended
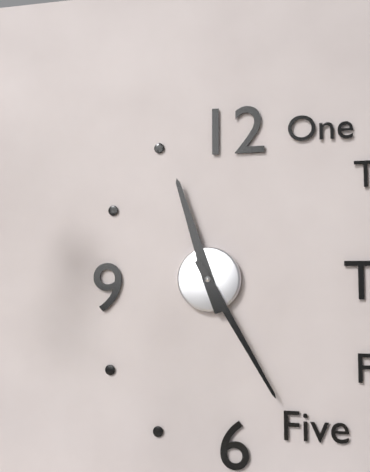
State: h=11 m=25
